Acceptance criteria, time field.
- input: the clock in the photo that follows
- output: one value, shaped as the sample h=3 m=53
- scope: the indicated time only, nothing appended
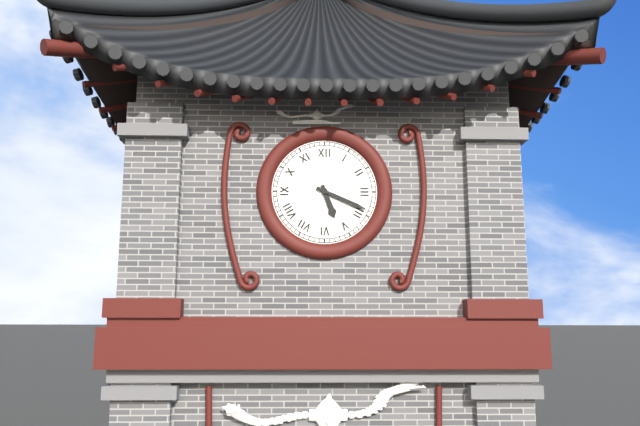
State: h=5 m=19
